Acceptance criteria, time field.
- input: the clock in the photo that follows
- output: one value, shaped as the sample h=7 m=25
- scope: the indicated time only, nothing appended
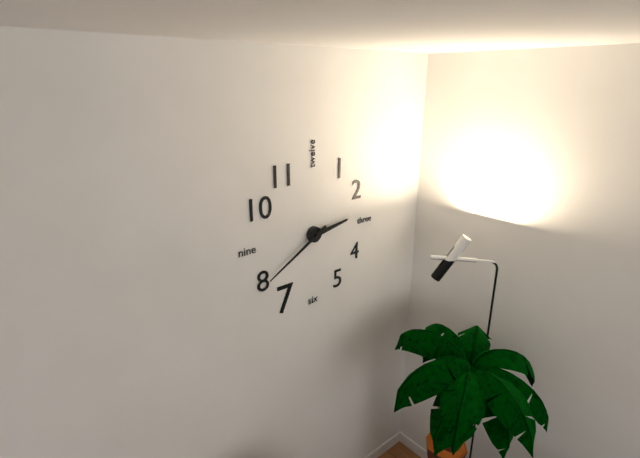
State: h=2 m=40
